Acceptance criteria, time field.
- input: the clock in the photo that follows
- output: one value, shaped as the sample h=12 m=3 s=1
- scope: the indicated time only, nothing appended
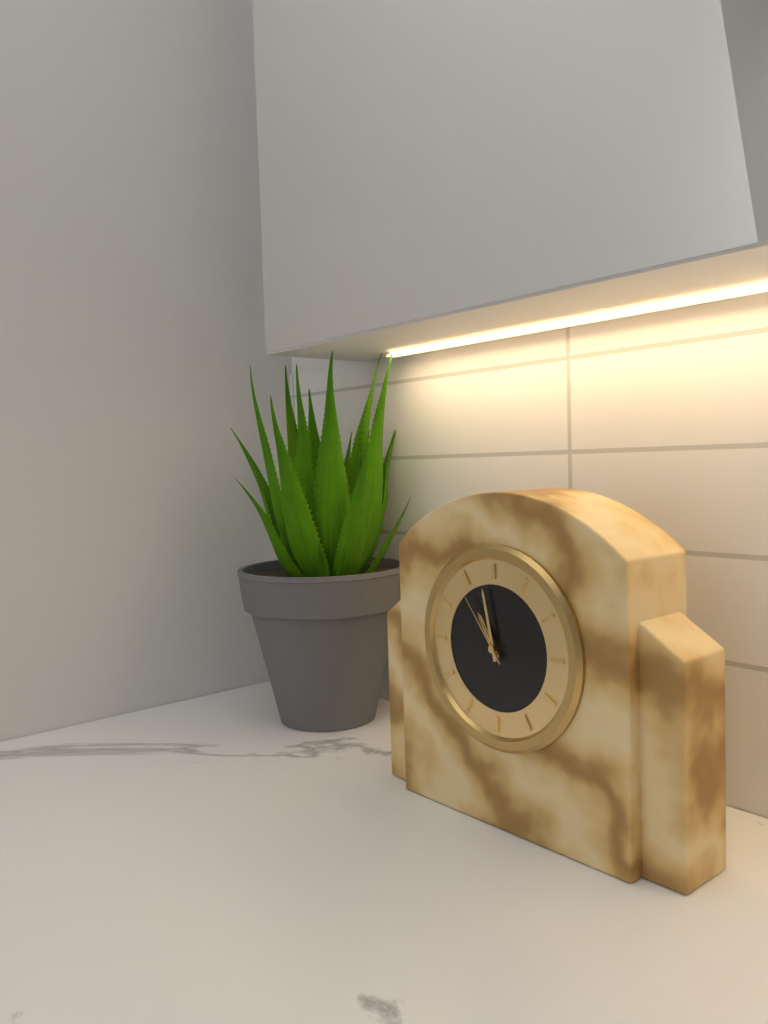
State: h=10 m=58 s=54
